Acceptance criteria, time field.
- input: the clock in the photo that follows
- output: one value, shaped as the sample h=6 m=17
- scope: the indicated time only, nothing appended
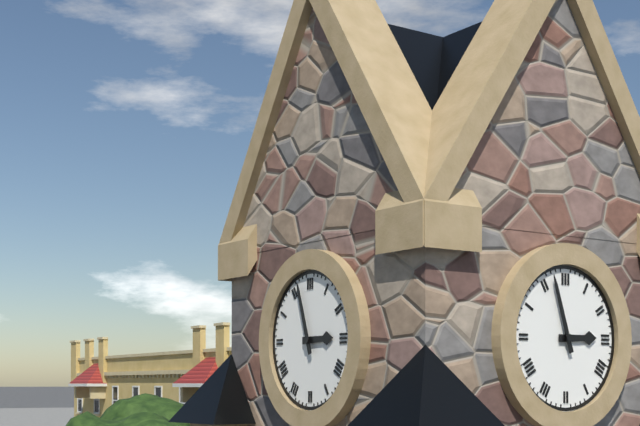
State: h=2 m=57
